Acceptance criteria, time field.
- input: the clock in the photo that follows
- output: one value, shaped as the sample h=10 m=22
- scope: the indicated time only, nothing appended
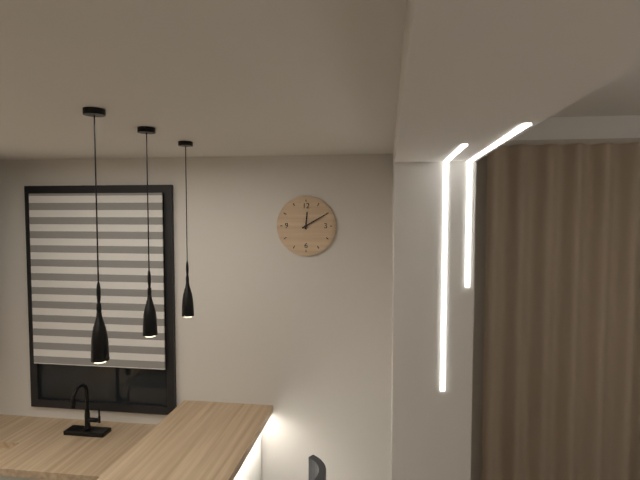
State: h=12 m=10
